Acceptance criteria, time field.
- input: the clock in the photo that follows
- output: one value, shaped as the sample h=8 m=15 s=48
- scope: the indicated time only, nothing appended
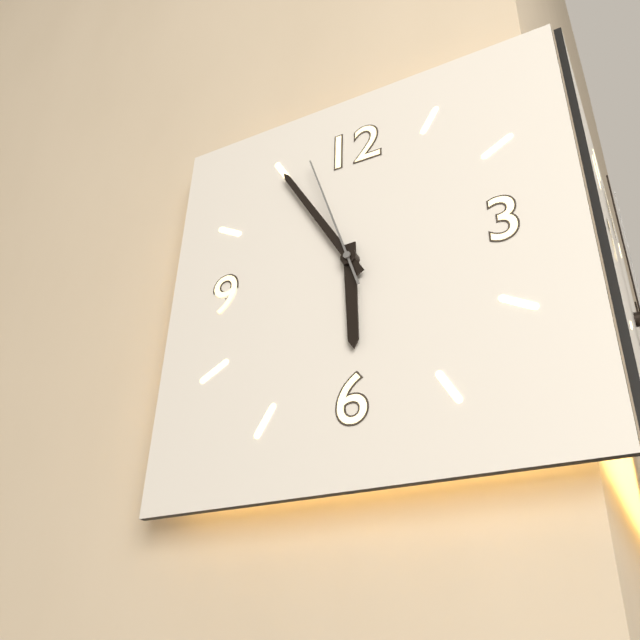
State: h=5 m=55 s=57
